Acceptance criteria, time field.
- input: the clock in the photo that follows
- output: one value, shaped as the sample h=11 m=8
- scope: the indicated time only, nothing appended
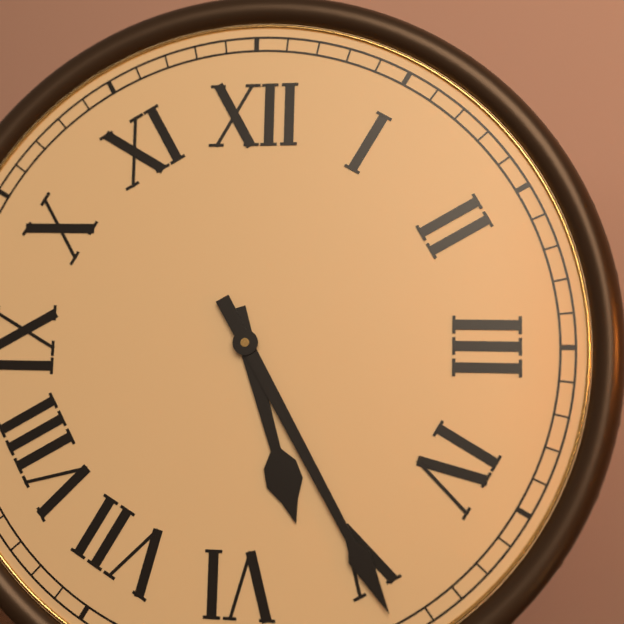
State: h=5 m=25
